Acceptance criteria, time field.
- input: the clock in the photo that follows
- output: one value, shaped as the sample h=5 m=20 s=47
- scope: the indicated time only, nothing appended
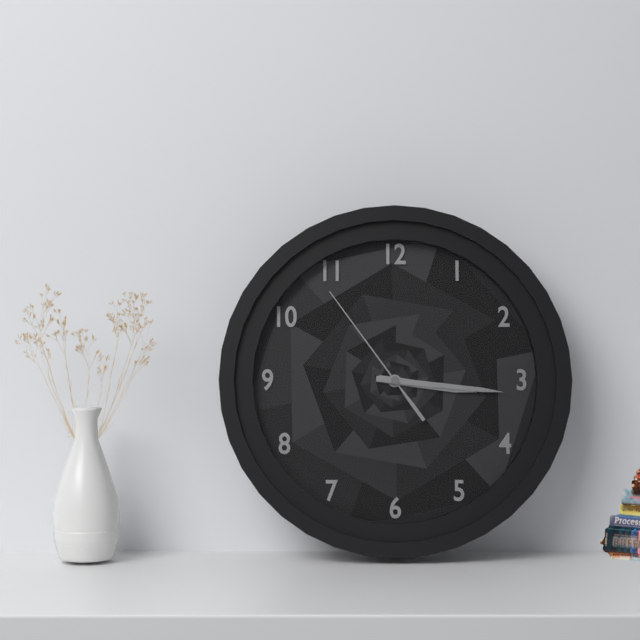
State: h=3 m=16 s=54
